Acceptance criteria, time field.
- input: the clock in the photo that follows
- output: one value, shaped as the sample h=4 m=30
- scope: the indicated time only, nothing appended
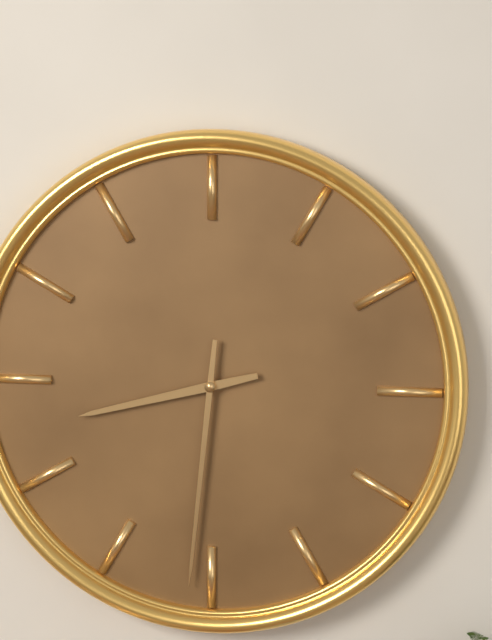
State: h=8 m=31
